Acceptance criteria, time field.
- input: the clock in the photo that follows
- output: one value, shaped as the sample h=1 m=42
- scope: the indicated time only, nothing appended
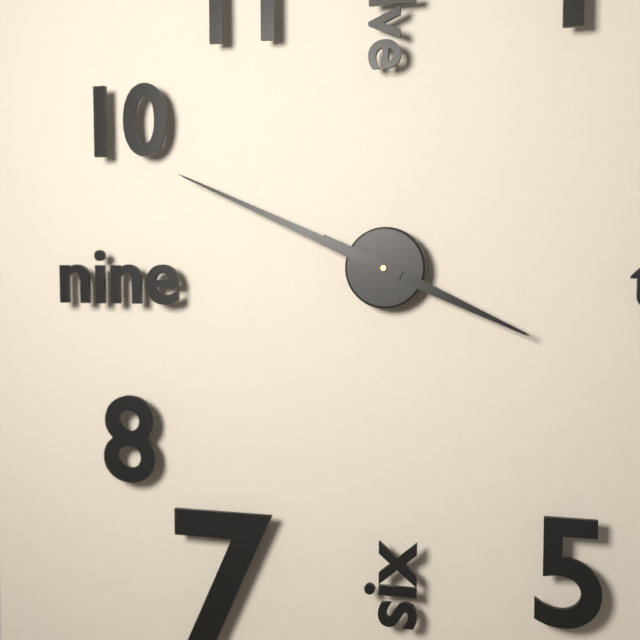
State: h=3 m=49
